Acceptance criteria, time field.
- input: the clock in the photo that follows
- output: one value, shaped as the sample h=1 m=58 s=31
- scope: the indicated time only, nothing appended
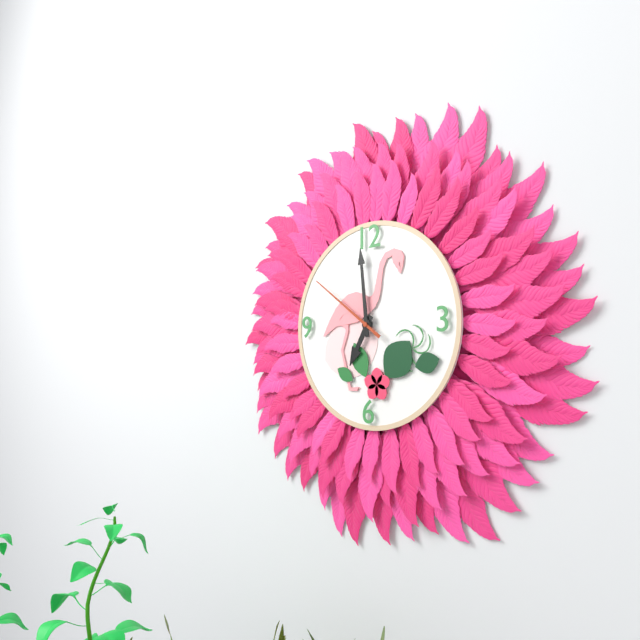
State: h=6 m=59 s=51
